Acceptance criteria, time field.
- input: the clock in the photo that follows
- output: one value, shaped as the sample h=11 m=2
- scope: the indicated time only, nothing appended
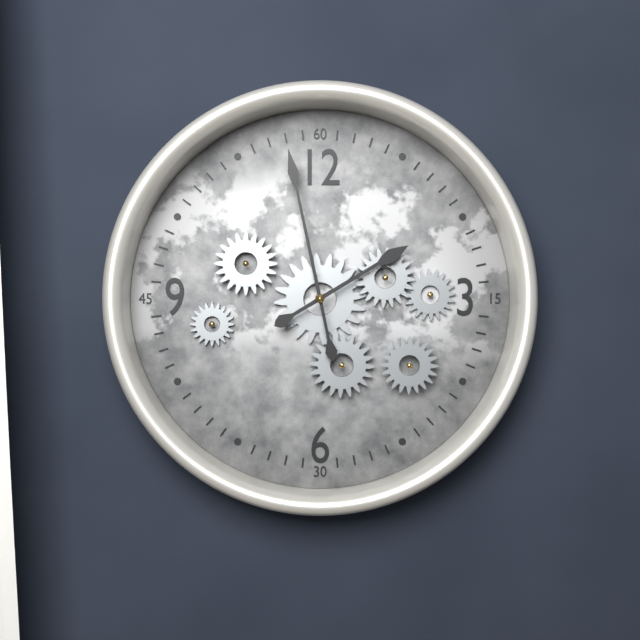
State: h=1 m=58
